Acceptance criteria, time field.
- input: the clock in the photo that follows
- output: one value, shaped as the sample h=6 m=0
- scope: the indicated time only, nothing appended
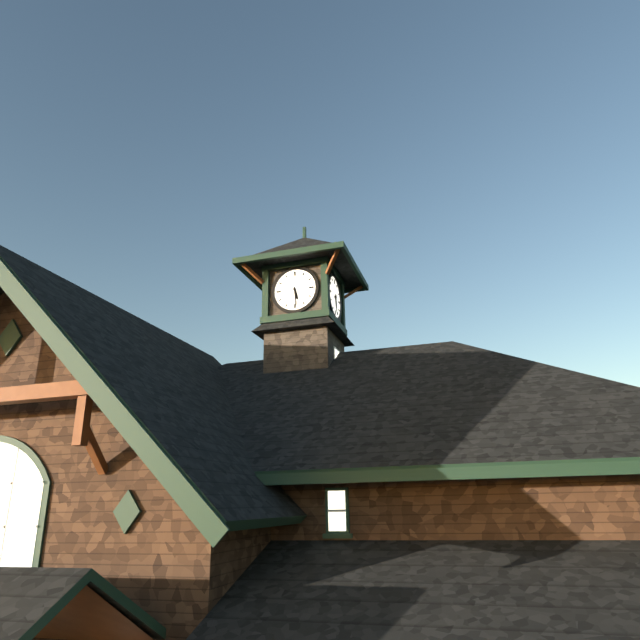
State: h=5 m=29
